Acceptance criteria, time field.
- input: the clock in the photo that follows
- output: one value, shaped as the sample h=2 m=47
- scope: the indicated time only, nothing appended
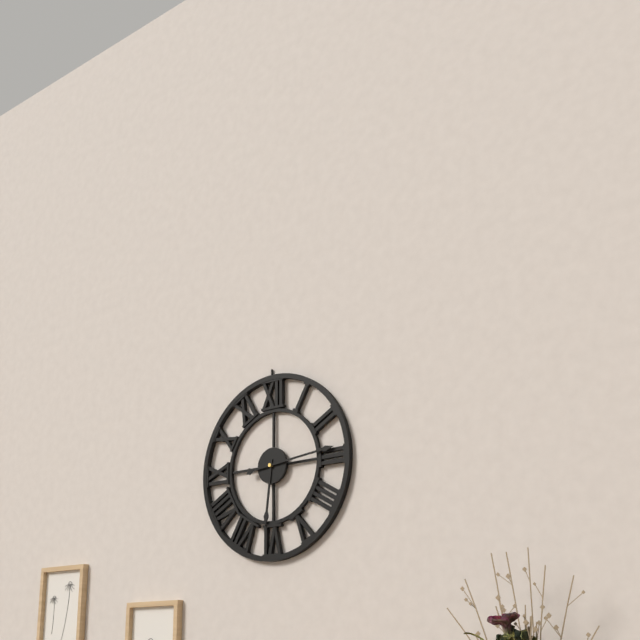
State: h=6 m=14
